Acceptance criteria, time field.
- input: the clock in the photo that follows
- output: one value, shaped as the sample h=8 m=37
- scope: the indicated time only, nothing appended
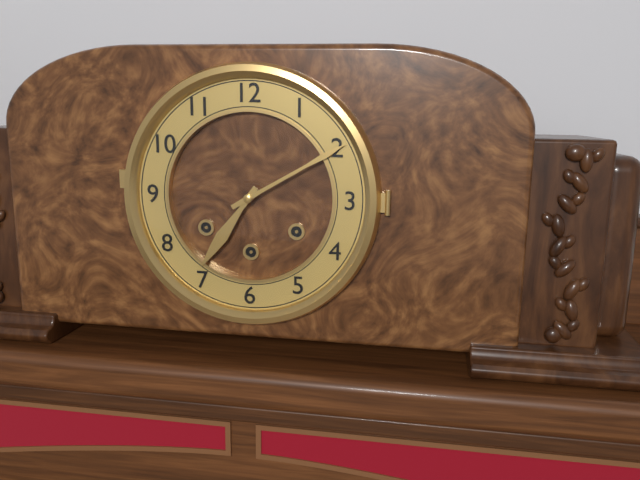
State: h=7 m=10
